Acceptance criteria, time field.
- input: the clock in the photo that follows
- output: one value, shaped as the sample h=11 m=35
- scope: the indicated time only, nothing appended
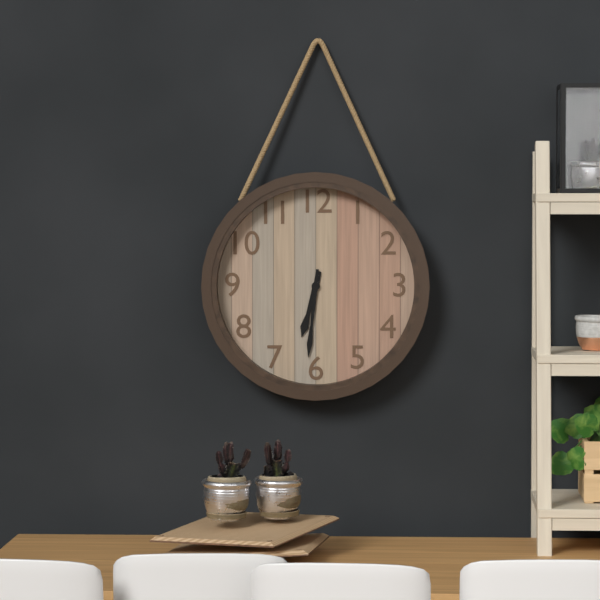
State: h=6 m=31
